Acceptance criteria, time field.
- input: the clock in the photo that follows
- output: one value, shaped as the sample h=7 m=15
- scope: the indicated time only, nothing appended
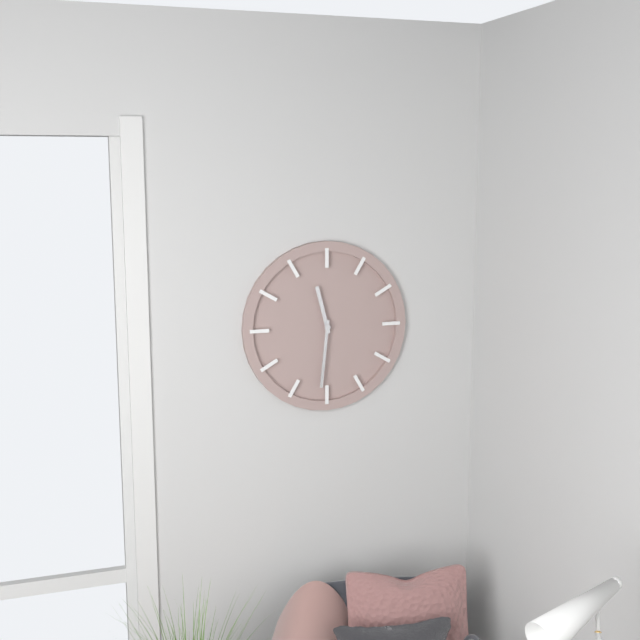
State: h=11 m=31
